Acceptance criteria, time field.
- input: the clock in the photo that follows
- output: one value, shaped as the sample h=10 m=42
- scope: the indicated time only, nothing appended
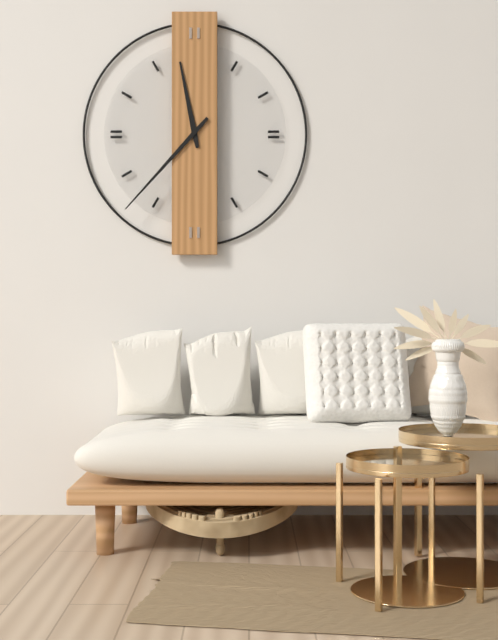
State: h=11 m=37
